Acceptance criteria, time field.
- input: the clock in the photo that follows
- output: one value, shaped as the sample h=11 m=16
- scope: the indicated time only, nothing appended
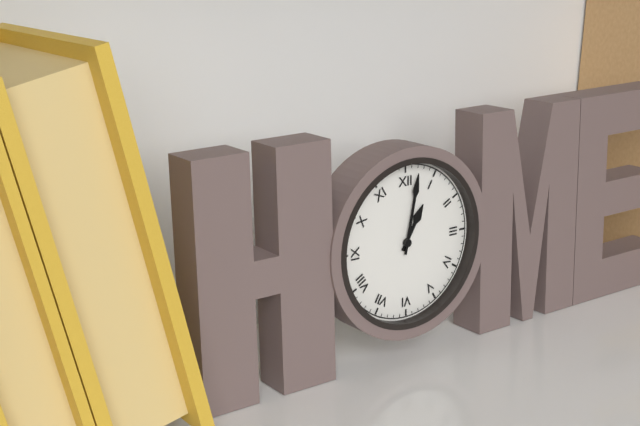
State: h=1 m=2
